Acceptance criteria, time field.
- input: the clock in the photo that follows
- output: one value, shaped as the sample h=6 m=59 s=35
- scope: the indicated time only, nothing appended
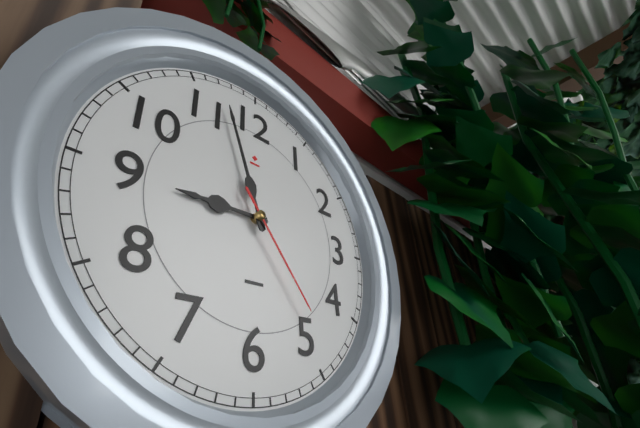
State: h=8 m=57 s=24
